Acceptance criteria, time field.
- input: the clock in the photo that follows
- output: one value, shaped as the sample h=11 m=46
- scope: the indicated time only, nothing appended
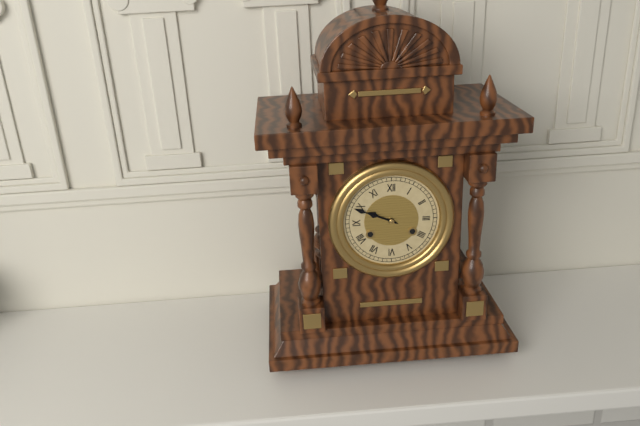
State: h=9 m=49
